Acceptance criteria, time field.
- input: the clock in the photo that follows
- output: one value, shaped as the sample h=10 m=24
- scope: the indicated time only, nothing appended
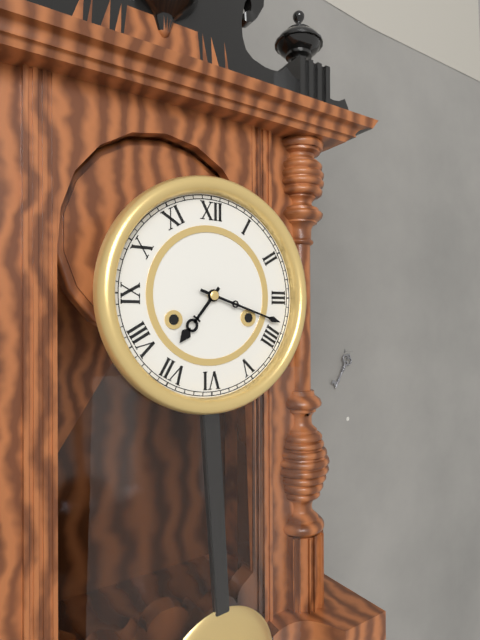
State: h=7 m=18
